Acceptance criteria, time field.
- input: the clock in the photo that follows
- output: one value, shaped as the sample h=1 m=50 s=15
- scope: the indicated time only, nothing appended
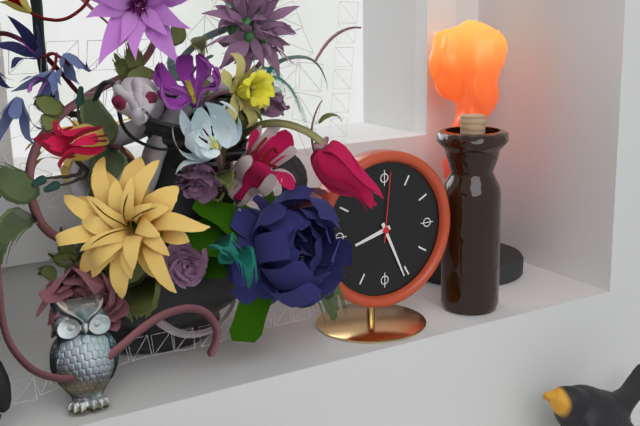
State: h=8 m=26 s=1
